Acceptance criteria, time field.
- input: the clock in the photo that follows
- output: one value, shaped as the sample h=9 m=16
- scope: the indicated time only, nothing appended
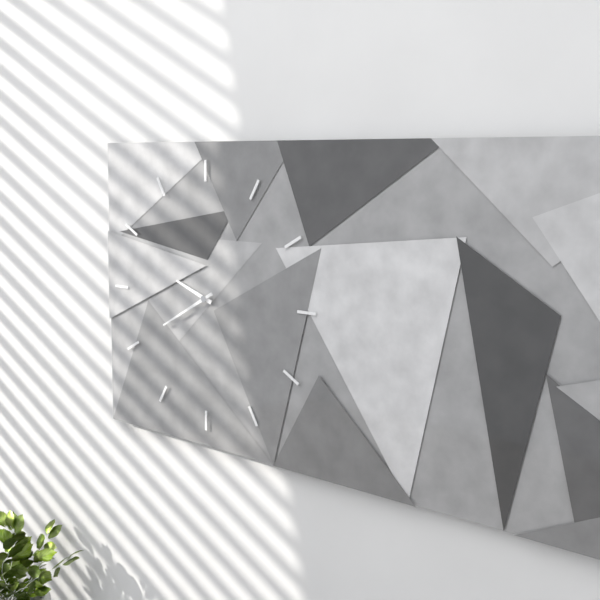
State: h=9 m=40
